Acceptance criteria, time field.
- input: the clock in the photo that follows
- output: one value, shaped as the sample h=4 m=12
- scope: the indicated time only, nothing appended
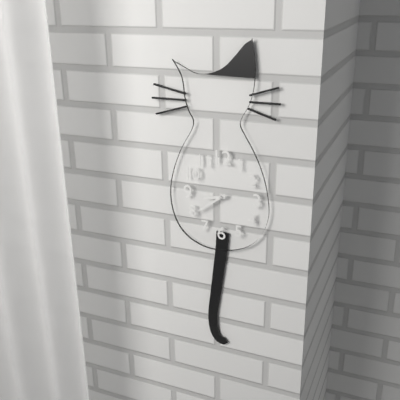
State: h=8 m=39
